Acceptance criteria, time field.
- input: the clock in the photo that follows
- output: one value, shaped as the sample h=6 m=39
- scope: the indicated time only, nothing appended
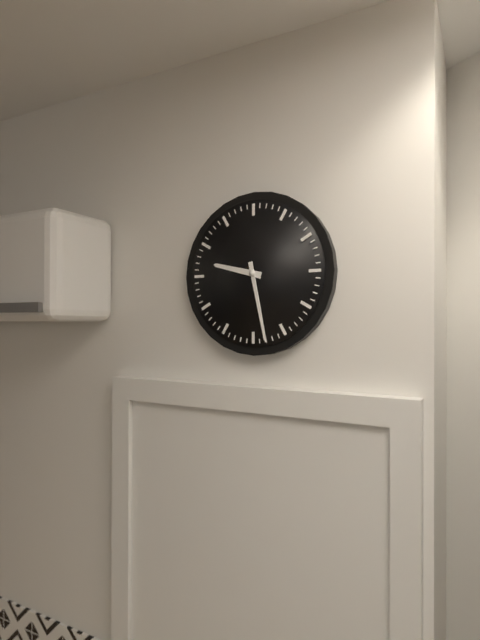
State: h=9 m=28
